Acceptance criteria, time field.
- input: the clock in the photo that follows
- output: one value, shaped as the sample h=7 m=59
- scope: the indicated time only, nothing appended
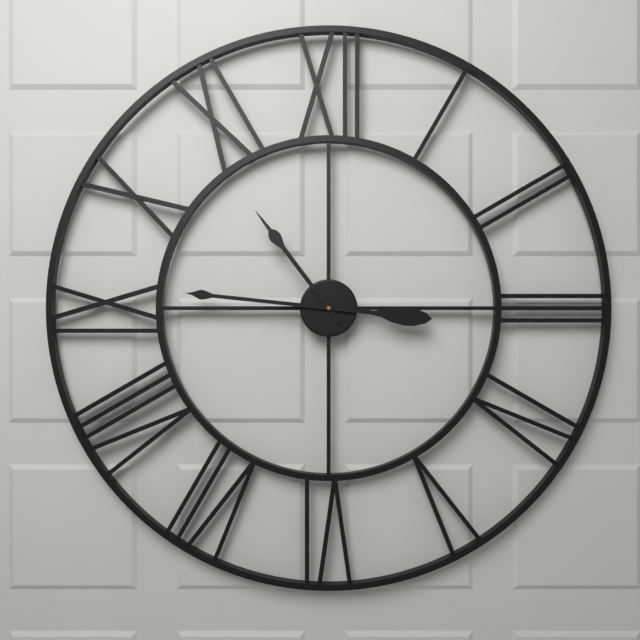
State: h=10 m=46
